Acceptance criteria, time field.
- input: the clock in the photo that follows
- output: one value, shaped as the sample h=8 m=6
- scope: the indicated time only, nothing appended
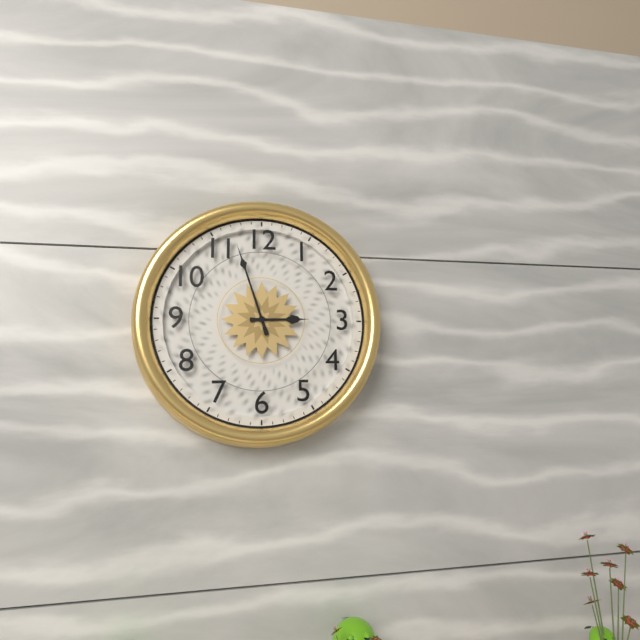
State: h=2 m=57
